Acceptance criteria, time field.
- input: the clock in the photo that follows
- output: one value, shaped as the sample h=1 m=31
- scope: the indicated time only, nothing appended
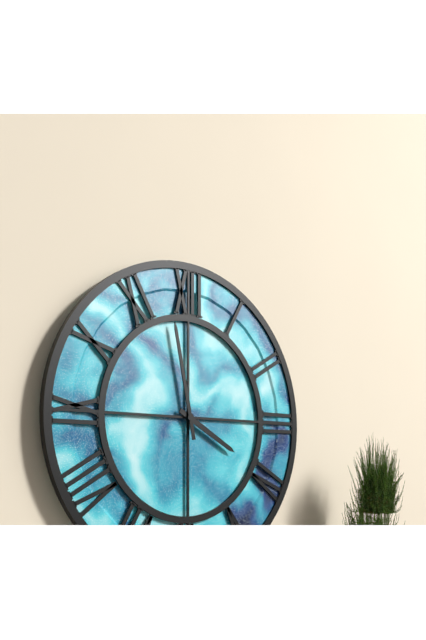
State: h=3 m=58
